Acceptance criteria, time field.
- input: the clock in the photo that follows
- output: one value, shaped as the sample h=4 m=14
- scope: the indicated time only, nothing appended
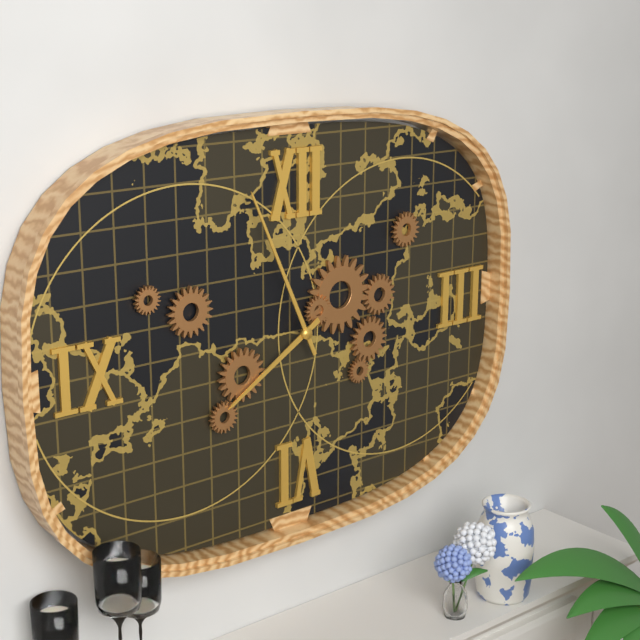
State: h=7 m=56
